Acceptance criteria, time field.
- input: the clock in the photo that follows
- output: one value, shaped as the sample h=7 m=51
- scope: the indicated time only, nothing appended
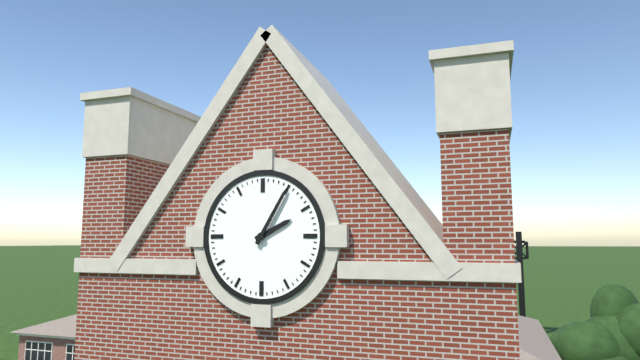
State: h=2 m=5
